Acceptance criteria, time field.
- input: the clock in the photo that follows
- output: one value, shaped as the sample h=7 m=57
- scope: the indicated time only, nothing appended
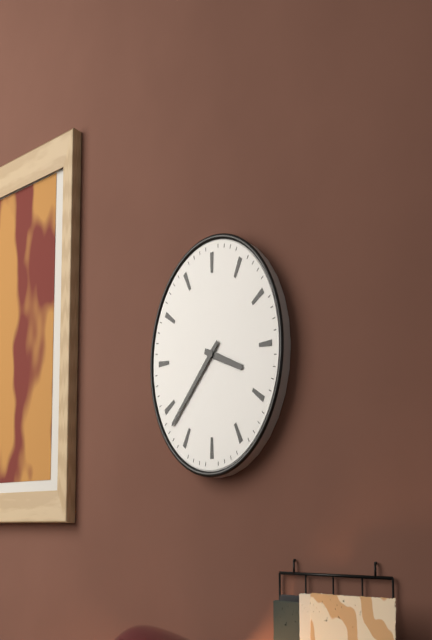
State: h=3 m=38
